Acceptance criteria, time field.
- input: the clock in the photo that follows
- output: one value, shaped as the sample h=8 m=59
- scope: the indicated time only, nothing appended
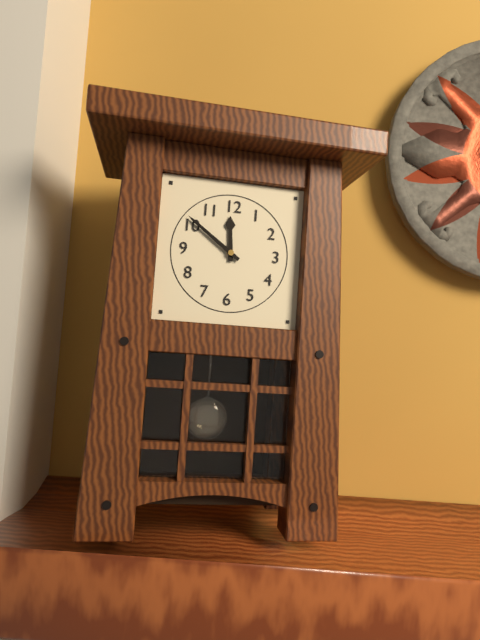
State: h=11 m=51
